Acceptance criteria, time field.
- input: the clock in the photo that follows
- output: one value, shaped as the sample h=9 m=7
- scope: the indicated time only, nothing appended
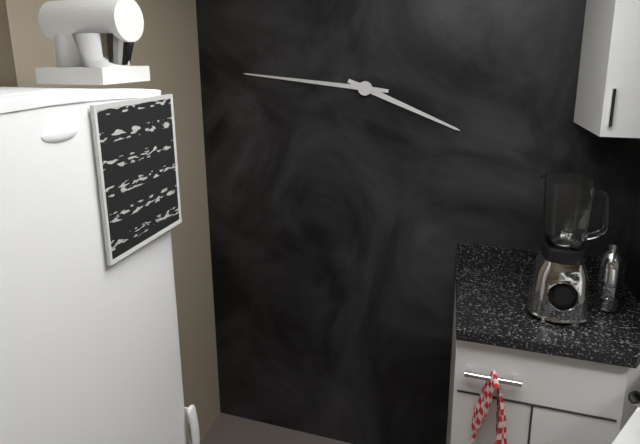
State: h=3 m=46
